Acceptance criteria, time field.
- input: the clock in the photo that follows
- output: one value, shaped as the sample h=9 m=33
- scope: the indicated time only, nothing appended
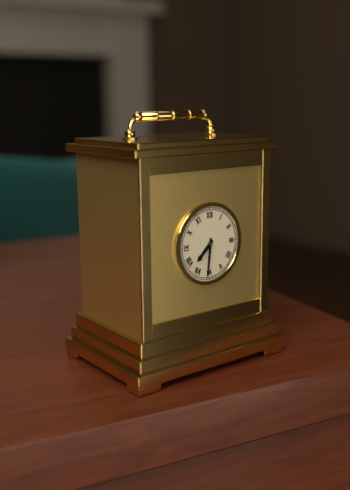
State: h=7 m=31
